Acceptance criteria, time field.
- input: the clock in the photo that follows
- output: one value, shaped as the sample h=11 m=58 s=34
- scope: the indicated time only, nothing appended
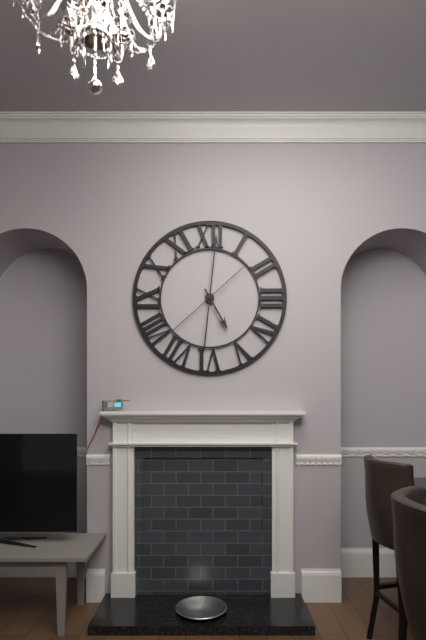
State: h=5 m=1 s=38
